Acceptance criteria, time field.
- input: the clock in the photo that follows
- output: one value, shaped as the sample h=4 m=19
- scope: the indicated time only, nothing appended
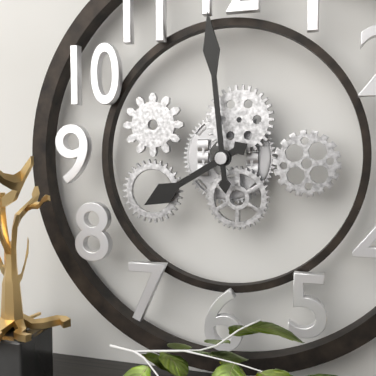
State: h=7 m=59
